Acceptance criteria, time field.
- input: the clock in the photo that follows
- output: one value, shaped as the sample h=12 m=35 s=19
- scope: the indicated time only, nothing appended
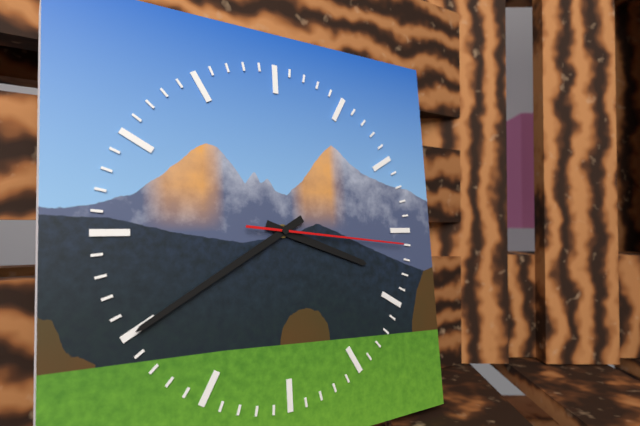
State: h=3 m=40 s=16
